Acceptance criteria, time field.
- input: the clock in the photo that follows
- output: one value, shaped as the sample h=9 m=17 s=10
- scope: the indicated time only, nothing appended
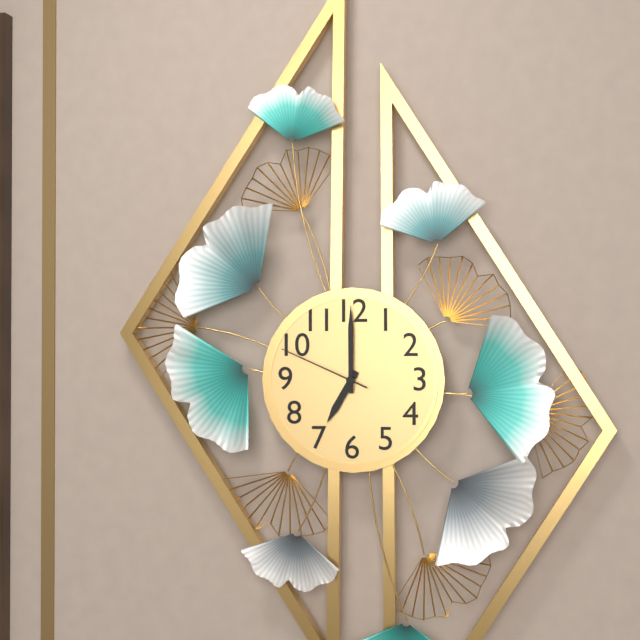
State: h=7 m=0 s=49
